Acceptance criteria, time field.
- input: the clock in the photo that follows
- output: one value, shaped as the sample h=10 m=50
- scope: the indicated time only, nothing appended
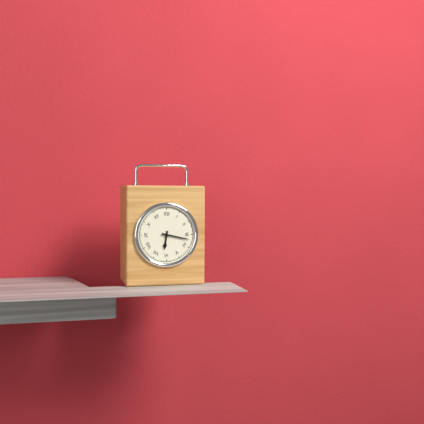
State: h=6 m=17
